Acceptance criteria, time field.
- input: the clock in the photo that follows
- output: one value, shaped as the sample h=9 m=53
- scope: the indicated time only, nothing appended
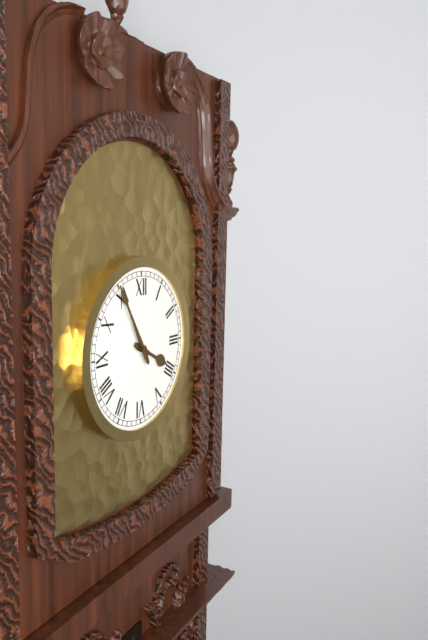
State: h=3 m=55
